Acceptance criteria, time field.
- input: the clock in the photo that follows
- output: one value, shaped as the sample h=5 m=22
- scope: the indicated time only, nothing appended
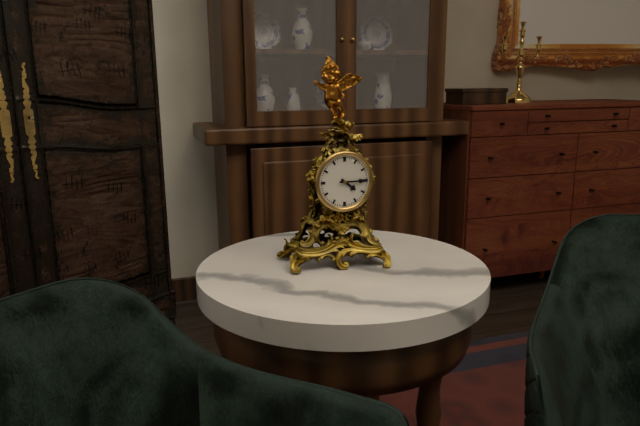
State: h=4 m=15
